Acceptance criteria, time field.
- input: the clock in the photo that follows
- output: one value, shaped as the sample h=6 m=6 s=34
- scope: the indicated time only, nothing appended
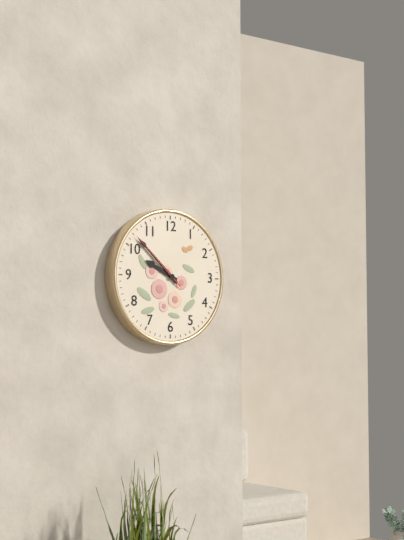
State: h=9 m=52 s=52
